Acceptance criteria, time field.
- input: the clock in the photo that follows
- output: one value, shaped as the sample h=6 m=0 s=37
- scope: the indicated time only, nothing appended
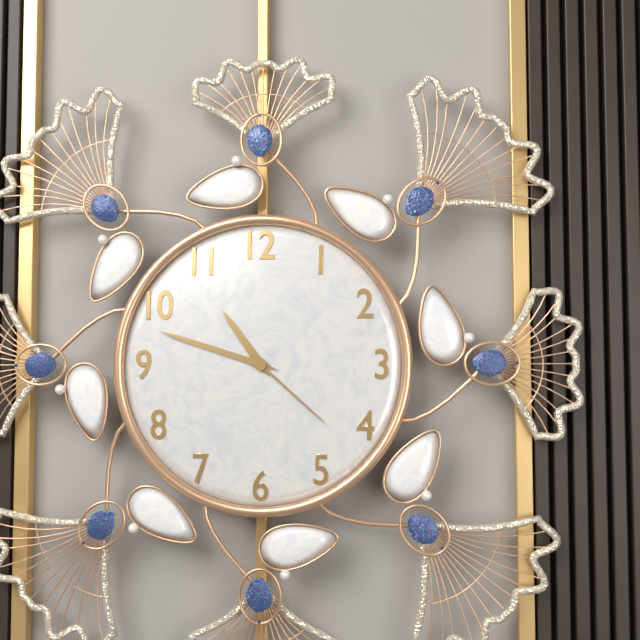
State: h=10 m=48 s=22
